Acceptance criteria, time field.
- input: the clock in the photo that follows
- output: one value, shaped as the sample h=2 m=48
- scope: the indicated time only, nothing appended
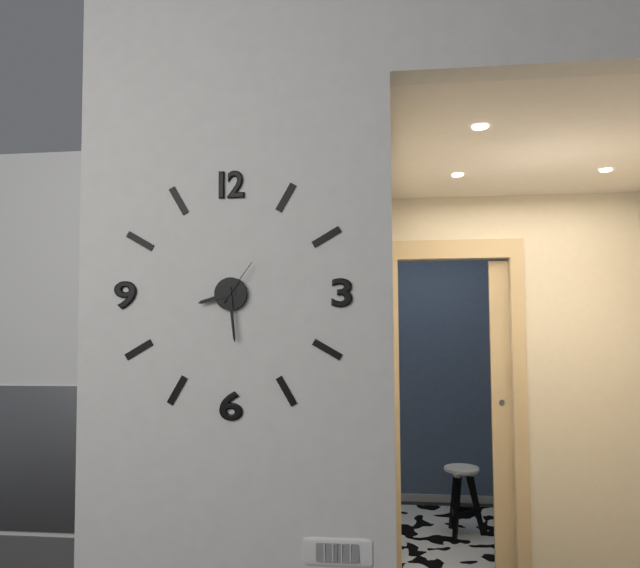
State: h=8 m=29
